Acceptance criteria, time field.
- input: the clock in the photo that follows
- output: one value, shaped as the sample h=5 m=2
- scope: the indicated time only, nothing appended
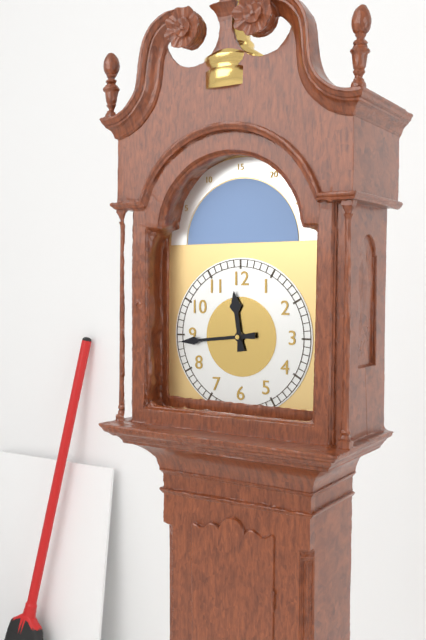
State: h=11 m=44
